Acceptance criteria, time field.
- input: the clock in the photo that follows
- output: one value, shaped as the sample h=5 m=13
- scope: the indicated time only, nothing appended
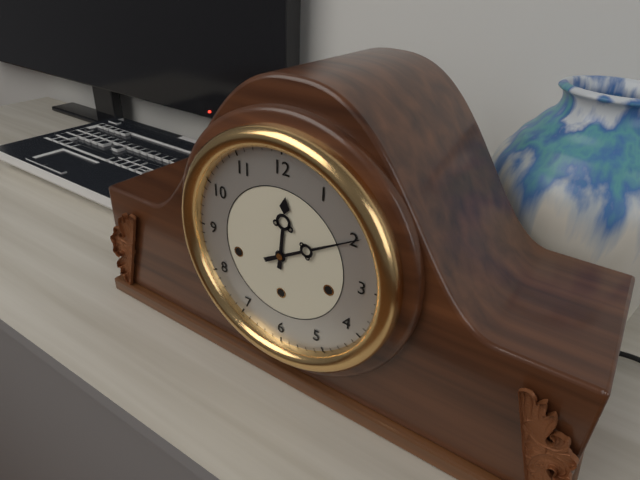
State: h=12 m=10
